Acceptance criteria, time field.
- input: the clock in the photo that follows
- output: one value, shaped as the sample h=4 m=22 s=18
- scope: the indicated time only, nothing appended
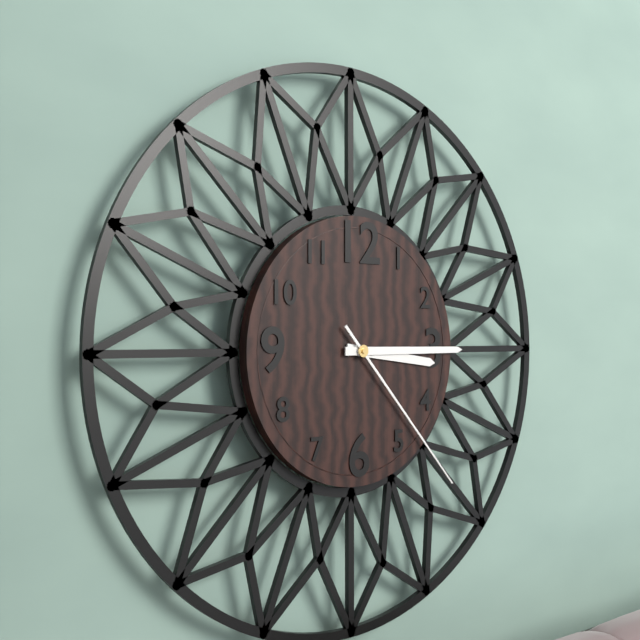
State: h=3 m=15 s=23
